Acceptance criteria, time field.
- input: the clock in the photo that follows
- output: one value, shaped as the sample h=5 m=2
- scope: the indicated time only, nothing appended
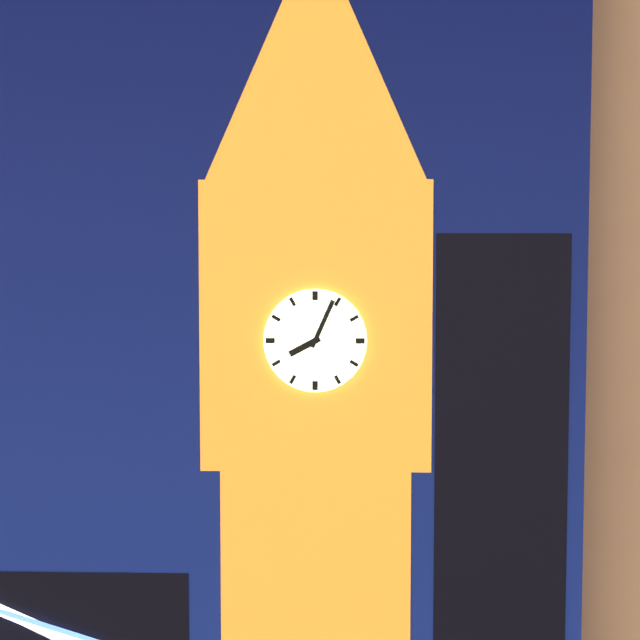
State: h=8 m=4
